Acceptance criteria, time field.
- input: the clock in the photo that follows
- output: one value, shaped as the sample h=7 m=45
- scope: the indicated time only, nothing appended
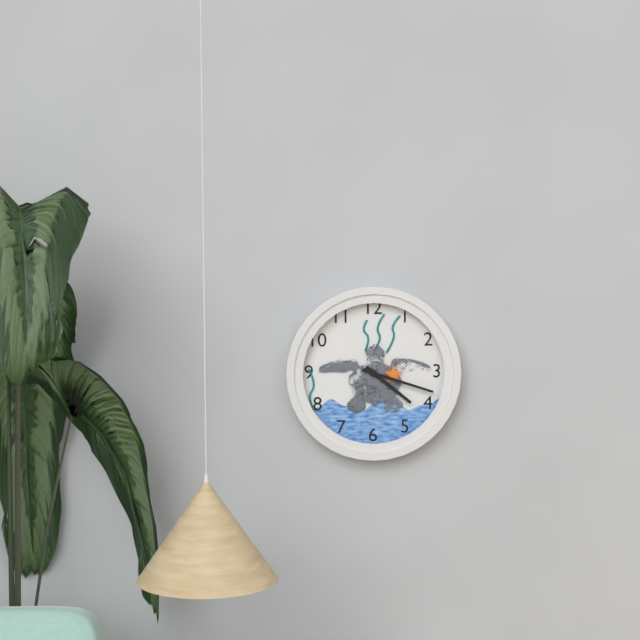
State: h=4 m=18
